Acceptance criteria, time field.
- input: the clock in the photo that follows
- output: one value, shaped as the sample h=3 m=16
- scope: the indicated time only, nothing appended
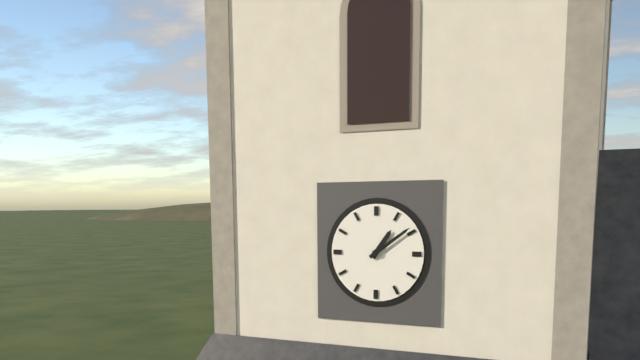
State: h=1 m=9
